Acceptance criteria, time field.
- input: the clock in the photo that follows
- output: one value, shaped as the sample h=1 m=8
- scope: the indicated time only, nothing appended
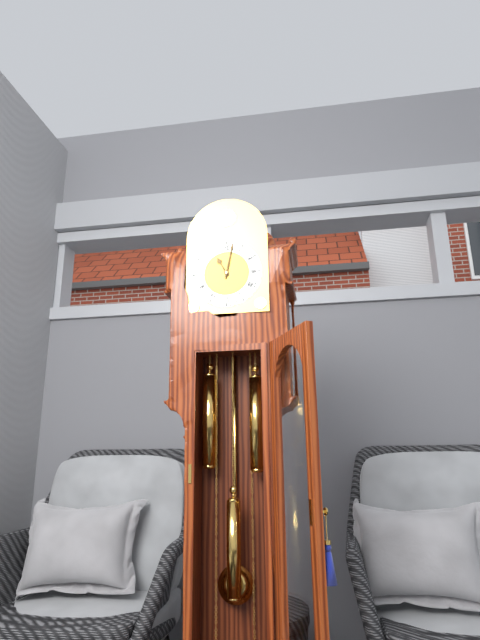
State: h=11 m=2
